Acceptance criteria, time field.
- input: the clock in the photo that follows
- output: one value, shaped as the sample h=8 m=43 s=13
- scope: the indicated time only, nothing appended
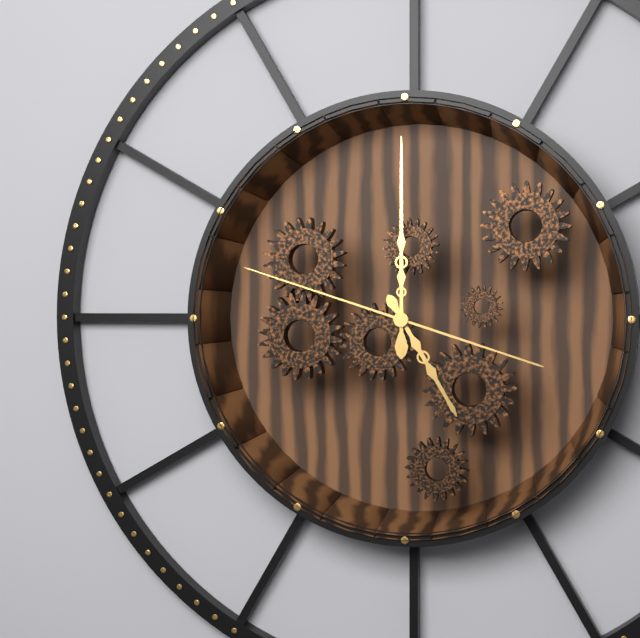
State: h=5 m=0 s=48
